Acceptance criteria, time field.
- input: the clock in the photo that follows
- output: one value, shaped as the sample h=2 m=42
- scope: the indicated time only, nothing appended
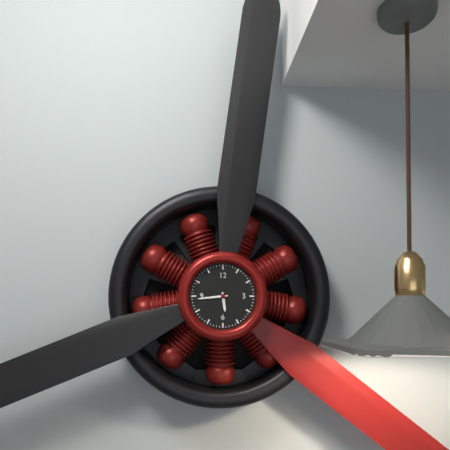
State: h=5 m=44
